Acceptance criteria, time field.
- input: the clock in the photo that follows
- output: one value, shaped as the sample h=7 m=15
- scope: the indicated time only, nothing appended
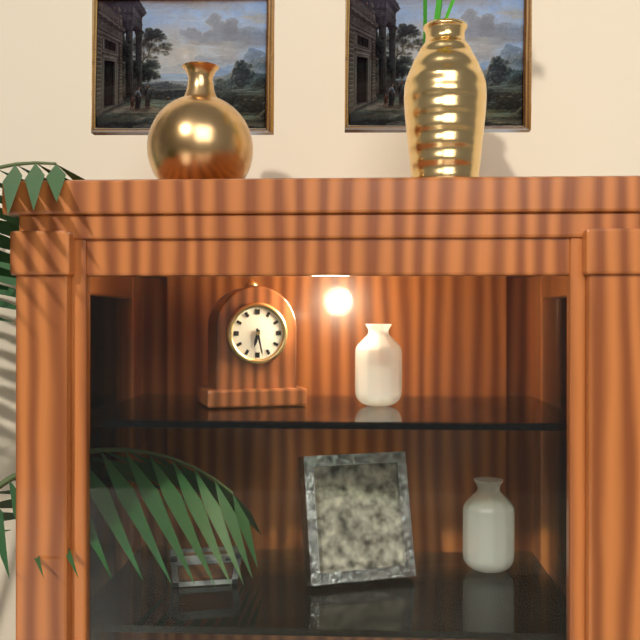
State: h=6 m=28
